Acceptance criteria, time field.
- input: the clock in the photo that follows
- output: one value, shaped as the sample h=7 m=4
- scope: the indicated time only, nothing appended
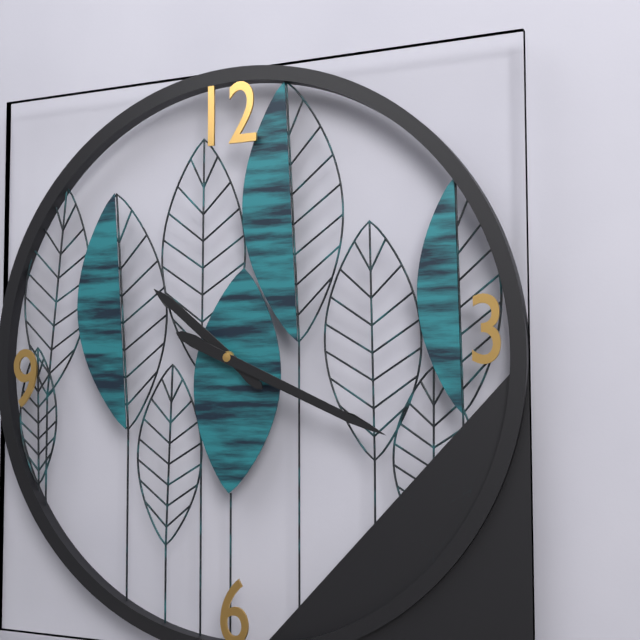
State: h=10 m=19
